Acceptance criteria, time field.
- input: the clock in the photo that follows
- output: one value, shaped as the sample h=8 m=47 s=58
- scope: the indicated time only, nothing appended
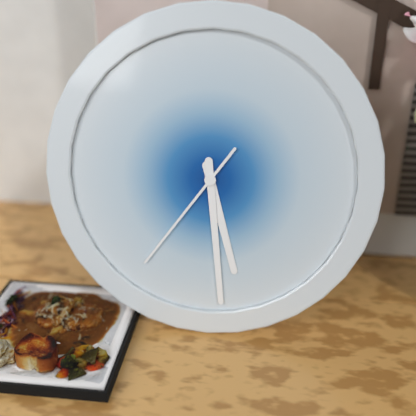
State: h=5 m=29 s=36
